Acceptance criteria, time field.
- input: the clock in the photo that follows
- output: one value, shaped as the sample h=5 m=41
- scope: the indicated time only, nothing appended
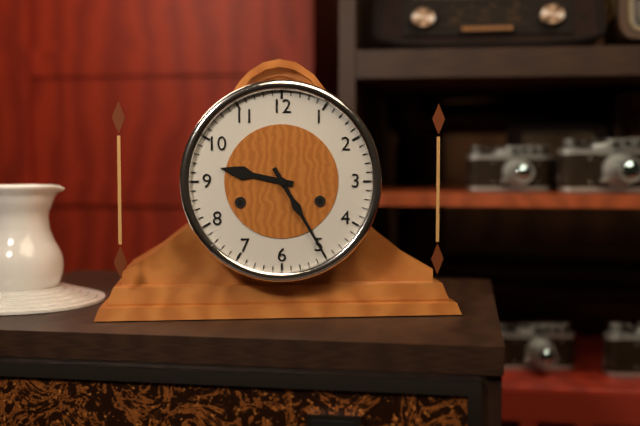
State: h=9 m=25
